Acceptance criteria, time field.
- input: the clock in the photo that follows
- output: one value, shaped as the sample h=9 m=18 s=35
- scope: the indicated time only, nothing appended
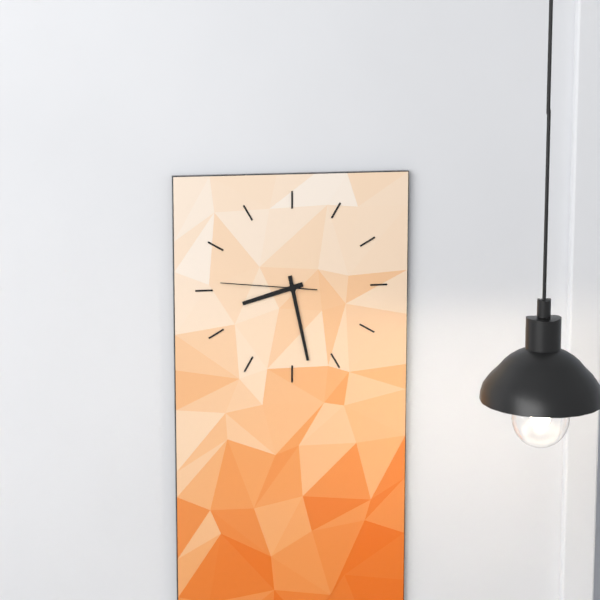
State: h=8 m=28 s=46
